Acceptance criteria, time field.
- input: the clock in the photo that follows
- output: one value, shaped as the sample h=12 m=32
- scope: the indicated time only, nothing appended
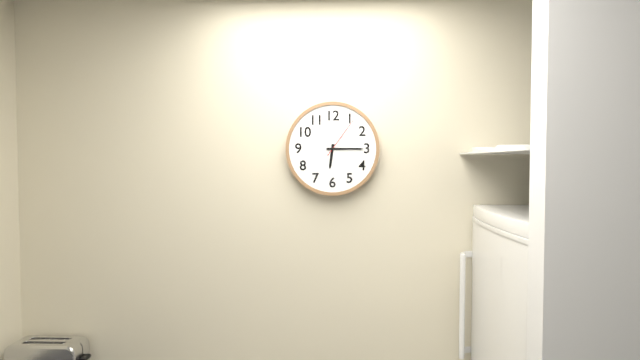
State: h=6 m=15
